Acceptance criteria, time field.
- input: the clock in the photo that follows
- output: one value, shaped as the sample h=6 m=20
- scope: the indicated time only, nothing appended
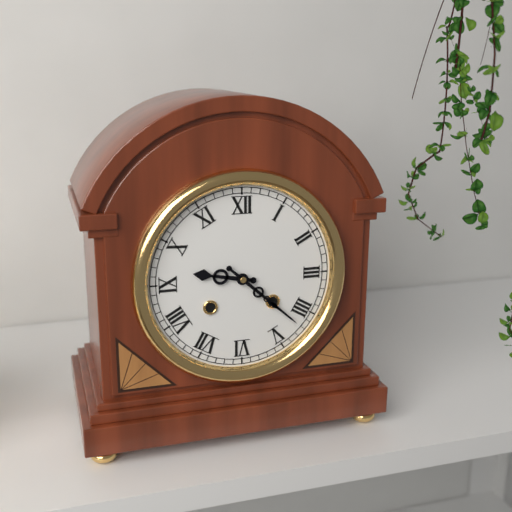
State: h=9 m=22
